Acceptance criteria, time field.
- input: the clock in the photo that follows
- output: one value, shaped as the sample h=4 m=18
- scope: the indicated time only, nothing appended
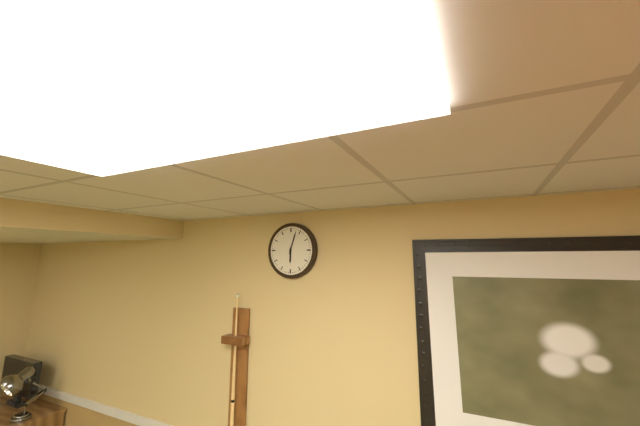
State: h=6 m=3
